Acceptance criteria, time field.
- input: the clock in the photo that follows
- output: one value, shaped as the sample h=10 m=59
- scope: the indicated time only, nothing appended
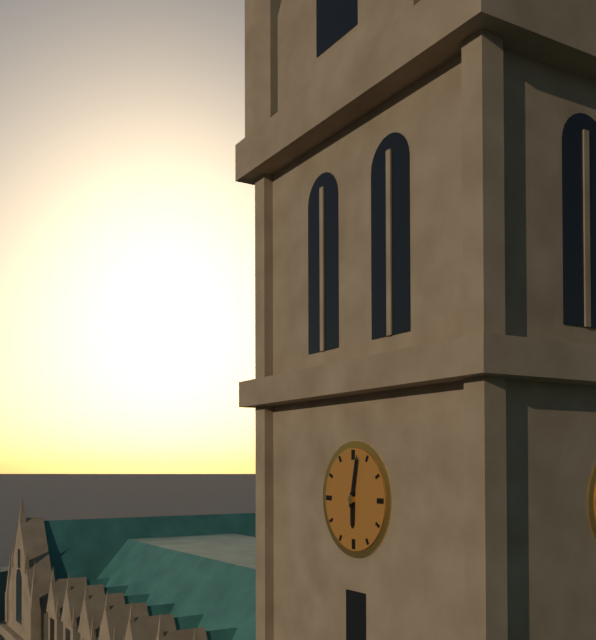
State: h=6 m=2
